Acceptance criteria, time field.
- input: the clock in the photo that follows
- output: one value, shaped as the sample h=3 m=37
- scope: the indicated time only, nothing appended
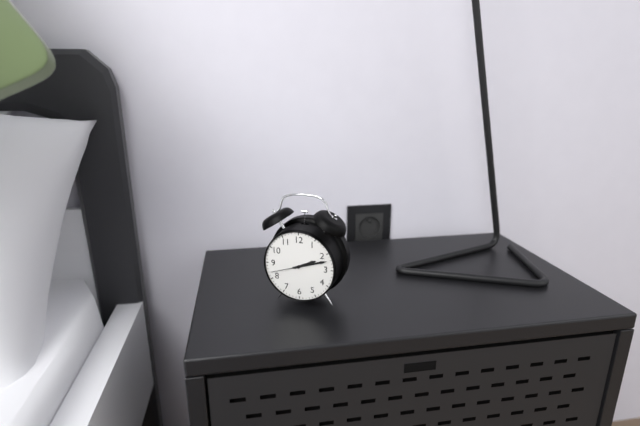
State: h=2 m=12
